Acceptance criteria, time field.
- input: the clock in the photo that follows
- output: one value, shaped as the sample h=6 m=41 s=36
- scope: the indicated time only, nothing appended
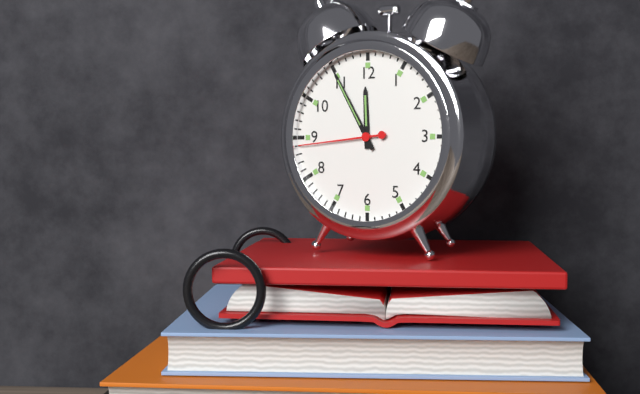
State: h=11 m=55 s=44
